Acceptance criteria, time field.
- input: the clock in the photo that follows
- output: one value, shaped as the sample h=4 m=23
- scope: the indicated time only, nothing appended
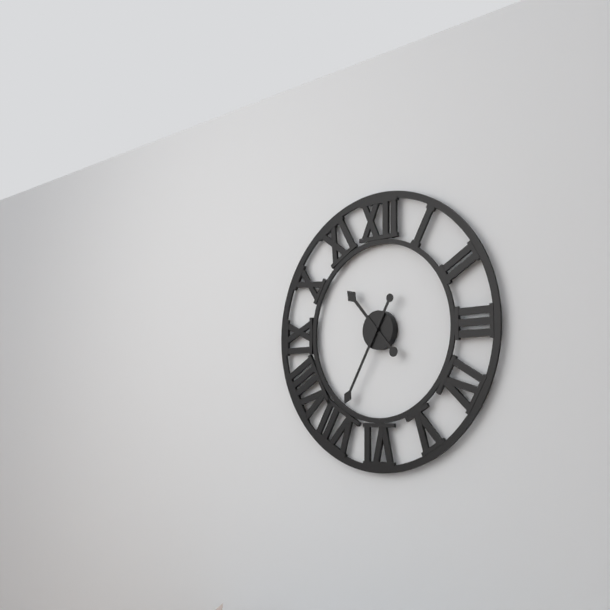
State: h=10 m=35
